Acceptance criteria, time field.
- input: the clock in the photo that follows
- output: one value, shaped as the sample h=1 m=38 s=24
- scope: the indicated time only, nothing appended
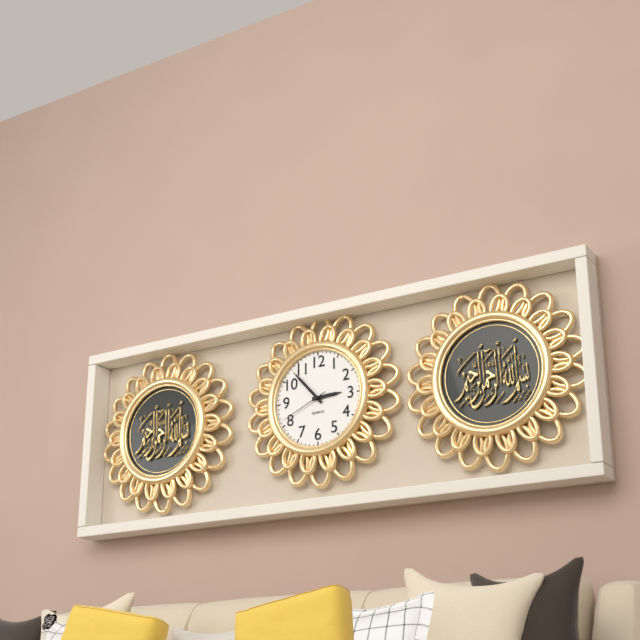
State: h=2 m=53 s=41
